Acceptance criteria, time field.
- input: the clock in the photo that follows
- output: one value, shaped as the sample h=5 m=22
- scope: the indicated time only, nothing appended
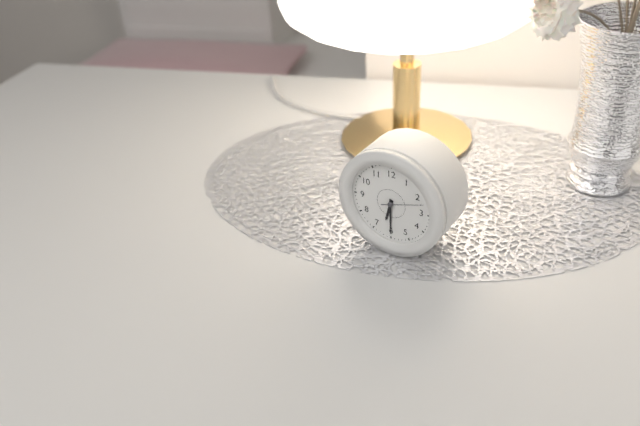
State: h=6 m=30
